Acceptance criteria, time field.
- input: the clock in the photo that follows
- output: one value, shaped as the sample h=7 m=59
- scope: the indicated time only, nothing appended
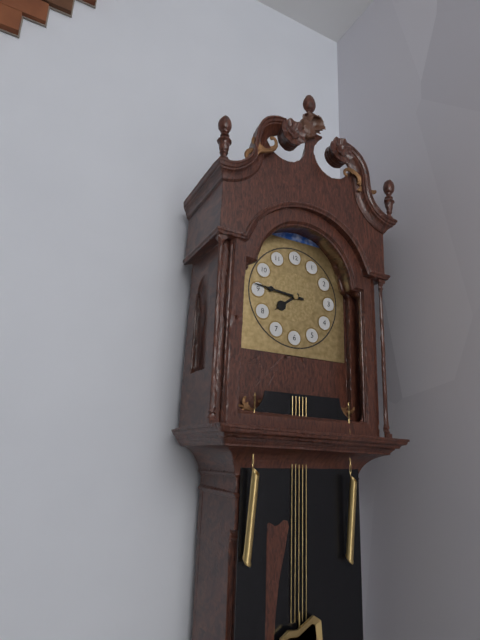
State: h=7 m=46
